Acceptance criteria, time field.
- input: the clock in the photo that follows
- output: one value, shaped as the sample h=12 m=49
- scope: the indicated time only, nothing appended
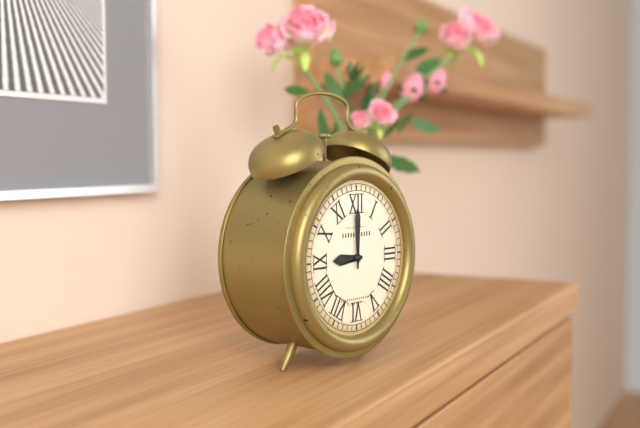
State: h=9 m=0
